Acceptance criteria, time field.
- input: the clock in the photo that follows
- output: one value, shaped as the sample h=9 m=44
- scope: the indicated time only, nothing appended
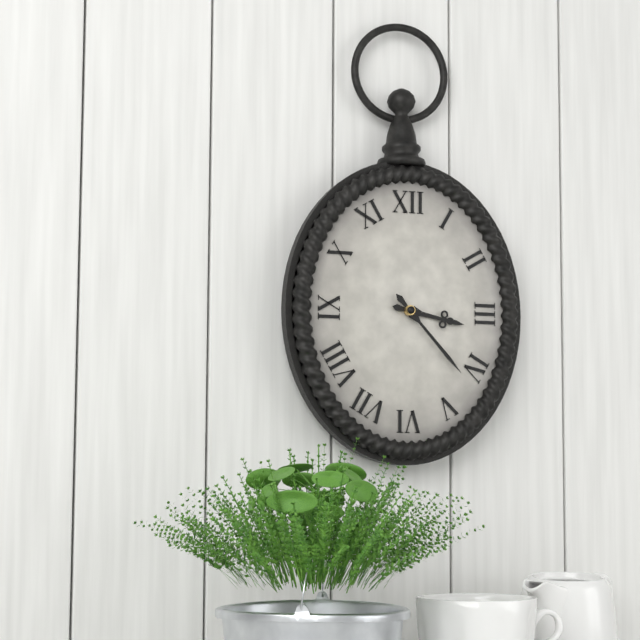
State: h=3 m=23
